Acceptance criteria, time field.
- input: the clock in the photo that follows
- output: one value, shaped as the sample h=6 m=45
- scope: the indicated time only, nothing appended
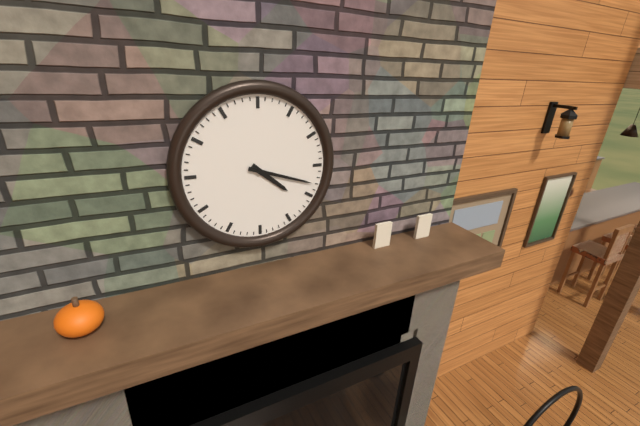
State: h=4 m=18
